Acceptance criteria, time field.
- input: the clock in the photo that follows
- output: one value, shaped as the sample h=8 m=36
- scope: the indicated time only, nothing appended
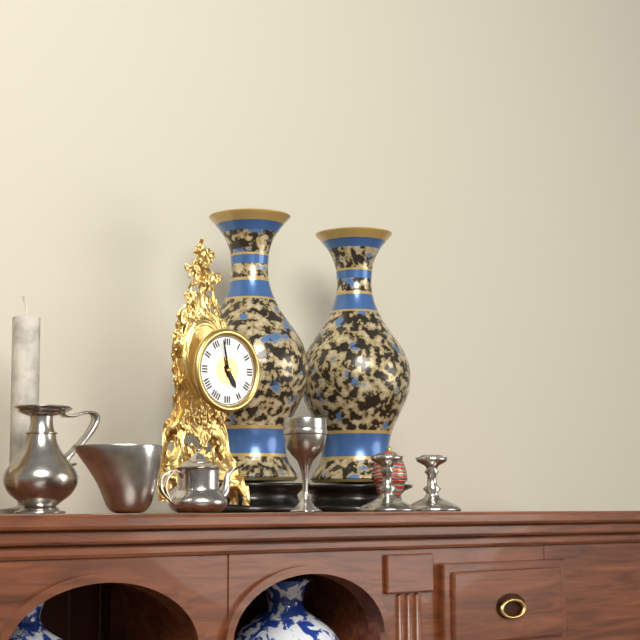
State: h=4 m=58
